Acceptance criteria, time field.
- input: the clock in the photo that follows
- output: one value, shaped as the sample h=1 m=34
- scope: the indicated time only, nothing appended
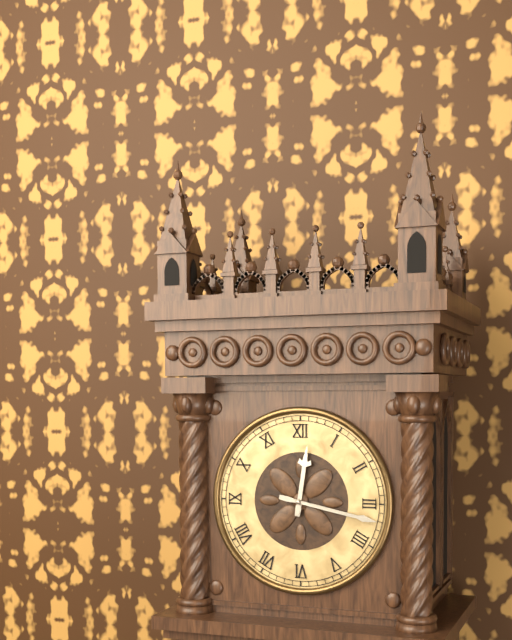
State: h=12 m=17
